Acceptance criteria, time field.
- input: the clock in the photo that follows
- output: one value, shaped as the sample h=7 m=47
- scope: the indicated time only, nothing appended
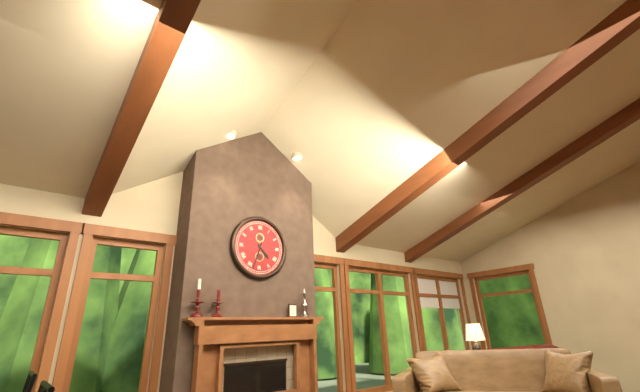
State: h=4 m=33
